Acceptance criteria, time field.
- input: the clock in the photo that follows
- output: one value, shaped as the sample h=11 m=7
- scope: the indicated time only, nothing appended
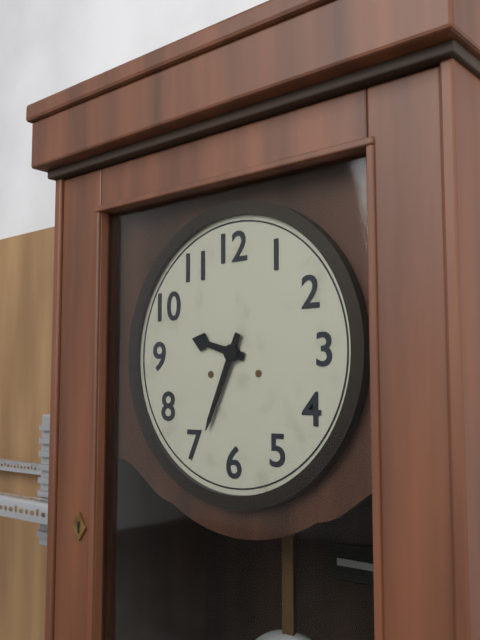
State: h=9 m=34
